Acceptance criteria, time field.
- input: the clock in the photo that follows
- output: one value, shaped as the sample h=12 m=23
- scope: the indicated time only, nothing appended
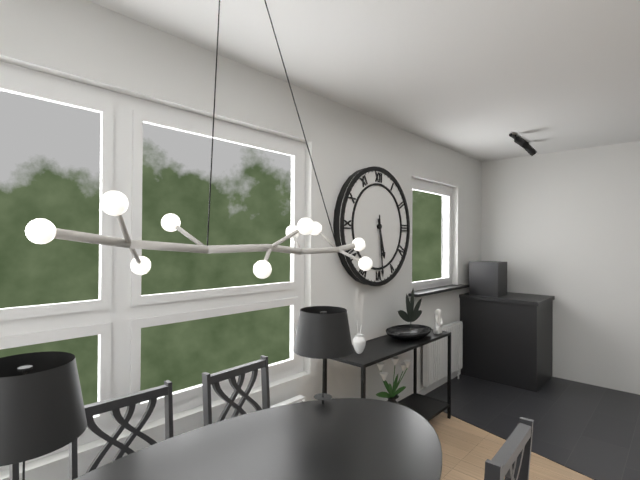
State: h=5 m=29
